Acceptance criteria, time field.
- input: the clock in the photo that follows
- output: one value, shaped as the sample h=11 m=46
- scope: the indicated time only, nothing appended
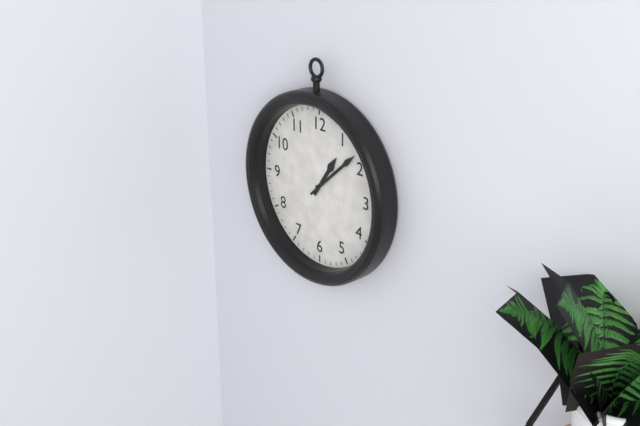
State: h=1 m=8
